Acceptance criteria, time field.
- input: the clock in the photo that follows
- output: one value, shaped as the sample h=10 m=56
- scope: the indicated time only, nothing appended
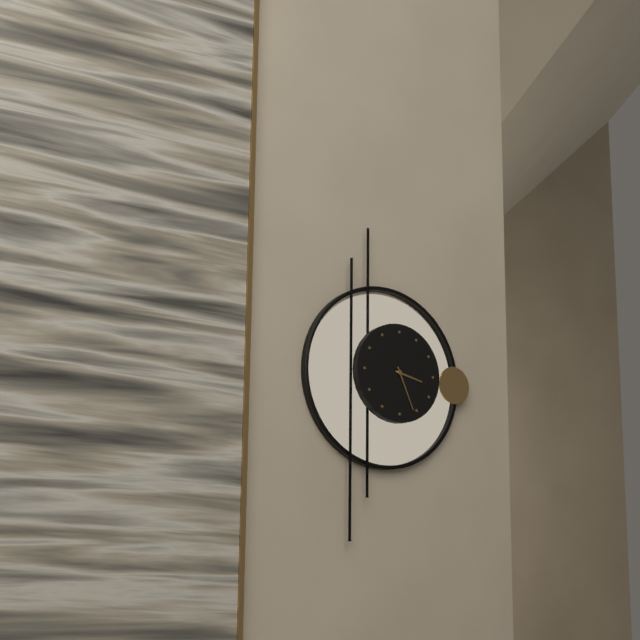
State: h=3 m=26
